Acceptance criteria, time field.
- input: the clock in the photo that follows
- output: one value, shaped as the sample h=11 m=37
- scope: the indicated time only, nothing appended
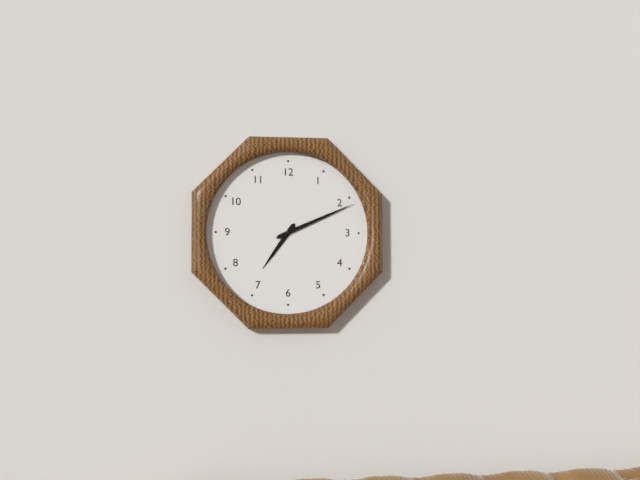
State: h=7 m=11
